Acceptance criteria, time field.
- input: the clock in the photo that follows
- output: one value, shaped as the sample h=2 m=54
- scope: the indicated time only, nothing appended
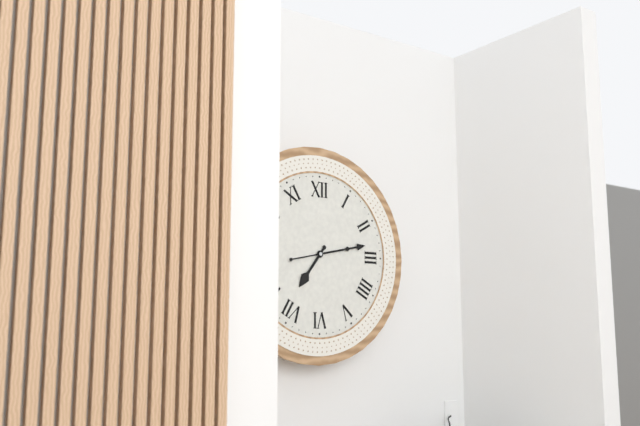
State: h=7 m=13
